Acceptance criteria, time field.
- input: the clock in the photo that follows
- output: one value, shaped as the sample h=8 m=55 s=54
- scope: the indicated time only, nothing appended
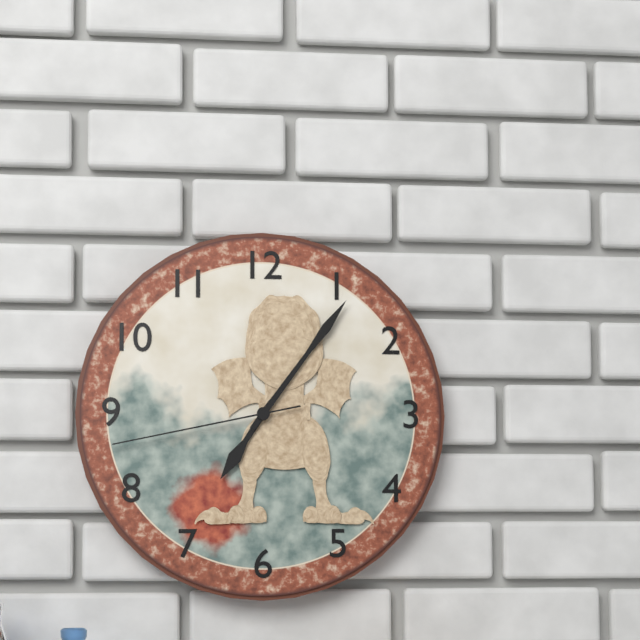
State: h=7 m=6 s=43
